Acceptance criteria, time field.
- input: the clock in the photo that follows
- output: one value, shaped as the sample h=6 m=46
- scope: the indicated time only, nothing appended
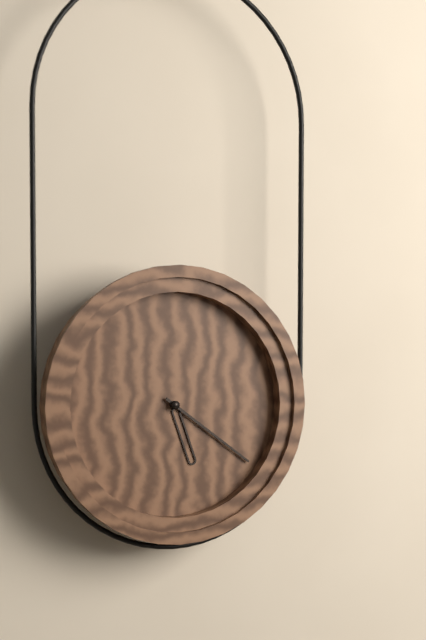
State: h=5 m=21
